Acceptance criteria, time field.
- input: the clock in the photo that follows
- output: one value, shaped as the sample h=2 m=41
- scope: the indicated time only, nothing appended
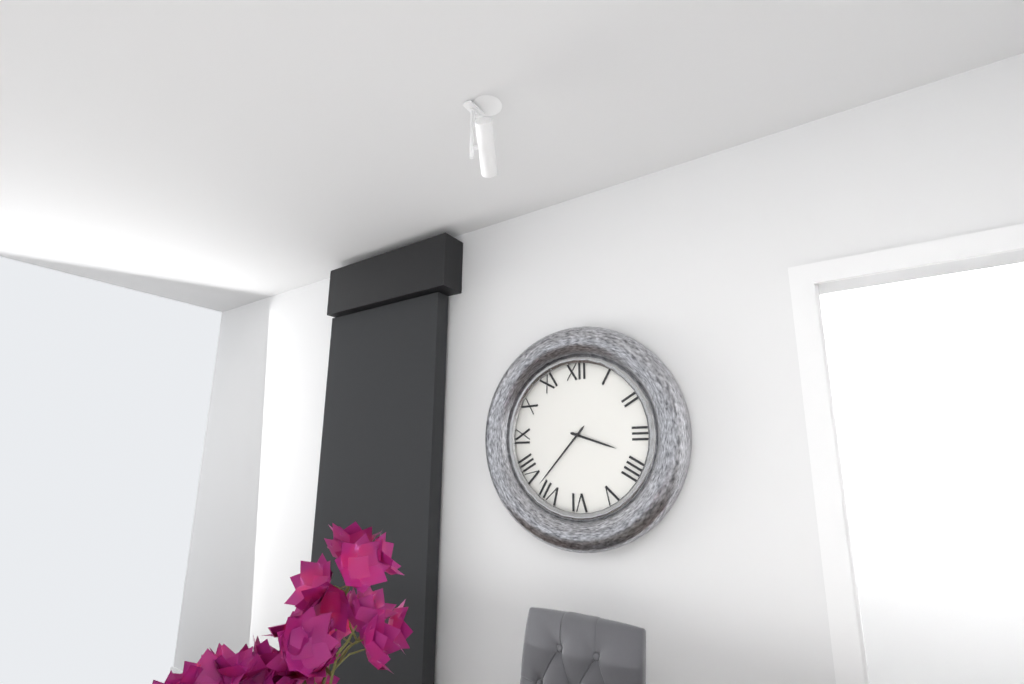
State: h=3 m=37
